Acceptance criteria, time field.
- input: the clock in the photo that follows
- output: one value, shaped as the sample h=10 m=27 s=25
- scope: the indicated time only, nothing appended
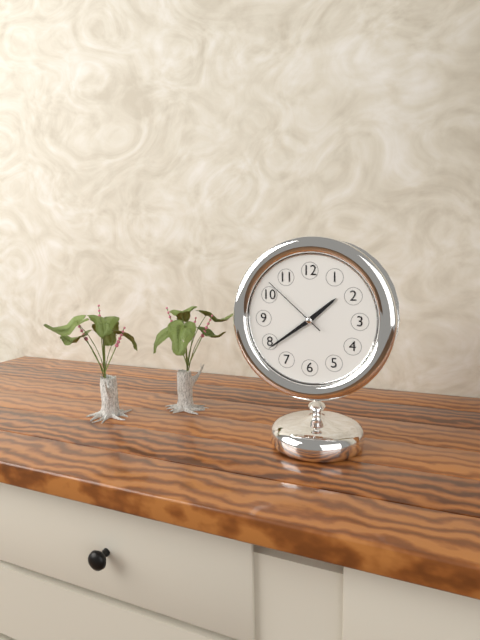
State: h=1 m=39 s=52
